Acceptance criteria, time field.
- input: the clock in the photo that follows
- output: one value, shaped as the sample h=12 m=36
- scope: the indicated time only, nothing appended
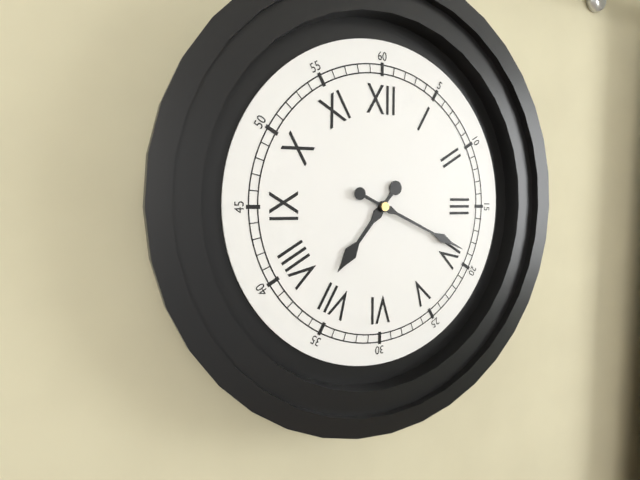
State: h=7 m=19
